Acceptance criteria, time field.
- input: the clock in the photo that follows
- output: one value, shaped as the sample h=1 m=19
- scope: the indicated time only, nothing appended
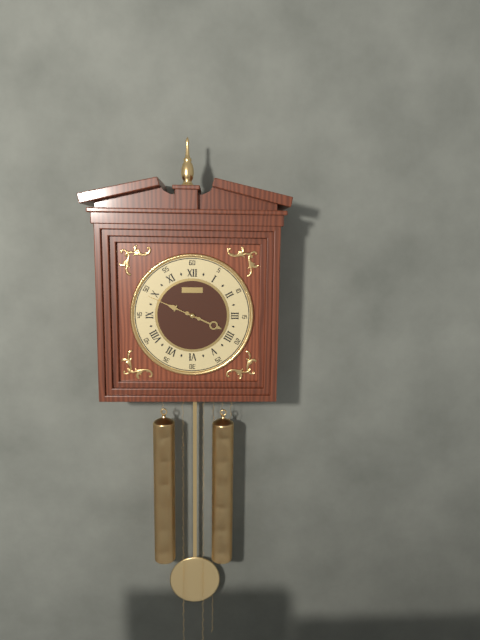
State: h=3 m=49
